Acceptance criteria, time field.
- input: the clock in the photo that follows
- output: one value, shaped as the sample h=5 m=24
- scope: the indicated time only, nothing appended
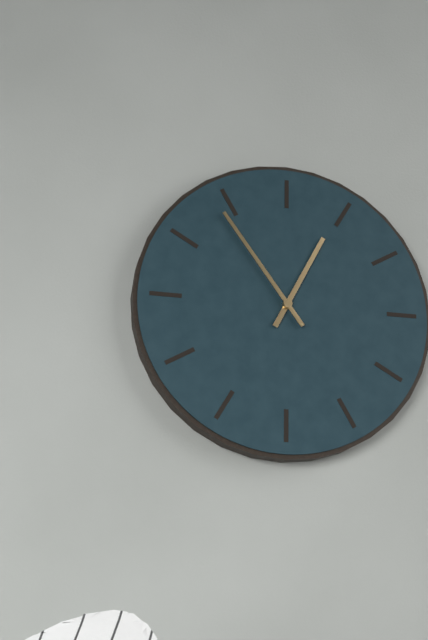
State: h=12 m=54
